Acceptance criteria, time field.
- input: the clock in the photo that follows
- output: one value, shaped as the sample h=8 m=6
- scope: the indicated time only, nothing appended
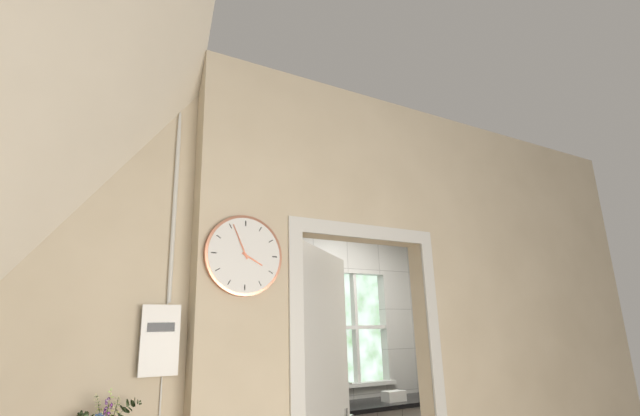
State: h=3 m=56
